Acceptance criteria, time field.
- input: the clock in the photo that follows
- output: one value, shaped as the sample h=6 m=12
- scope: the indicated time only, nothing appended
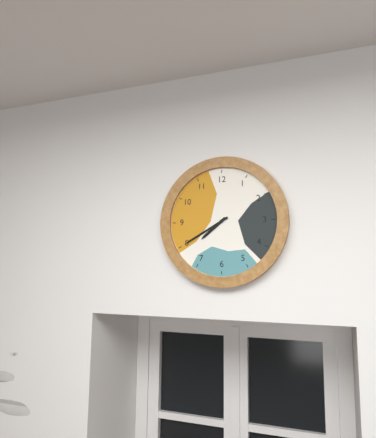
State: h=7 m=40
